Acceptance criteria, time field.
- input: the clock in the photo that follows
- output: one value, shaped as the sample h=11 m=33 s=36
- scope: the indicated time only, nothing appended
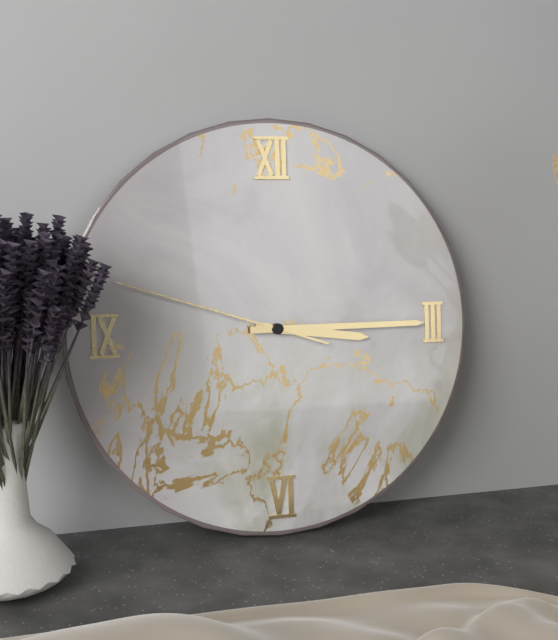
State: h=3 m=15 s=48
